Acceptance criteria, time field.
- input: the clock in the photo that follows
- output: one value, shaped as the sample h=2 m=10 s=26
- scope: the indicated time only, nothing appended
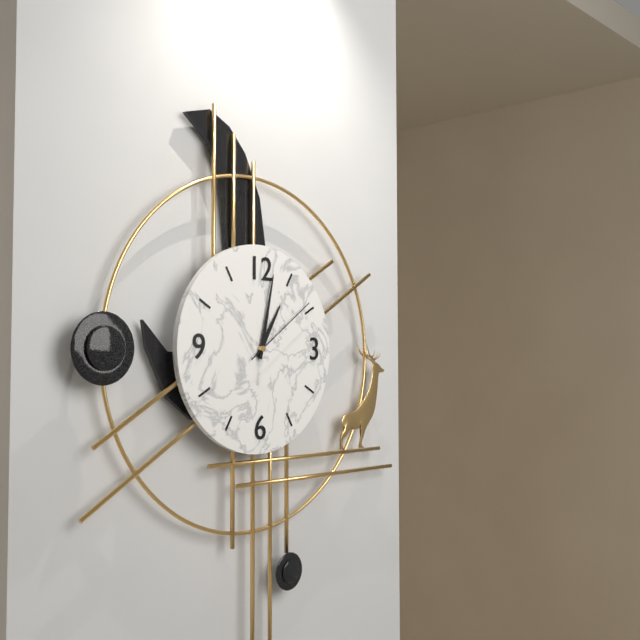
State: h=1 m=2 s=9
